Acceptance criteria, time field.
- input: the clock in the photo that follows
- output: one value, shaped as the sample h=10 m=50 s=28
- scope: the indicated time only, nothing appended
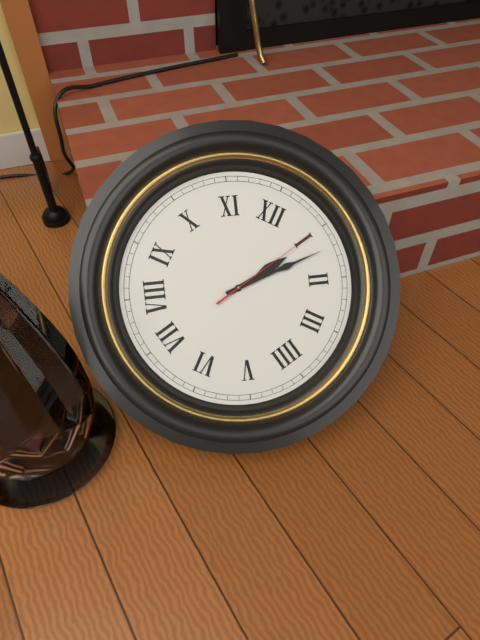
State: h=1 m=7 s=5
